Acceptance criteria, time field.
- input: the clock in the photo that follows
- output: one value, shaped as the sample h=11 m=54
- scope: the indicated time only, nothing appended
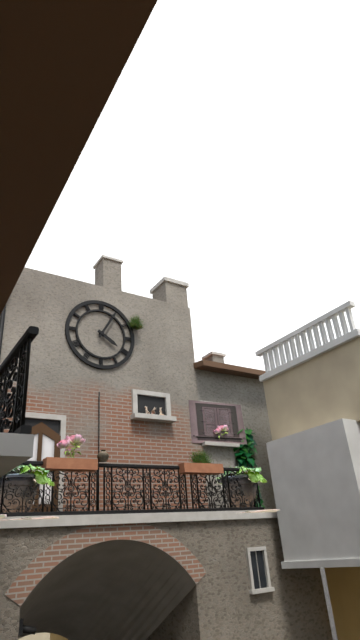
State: h=4 m=5
